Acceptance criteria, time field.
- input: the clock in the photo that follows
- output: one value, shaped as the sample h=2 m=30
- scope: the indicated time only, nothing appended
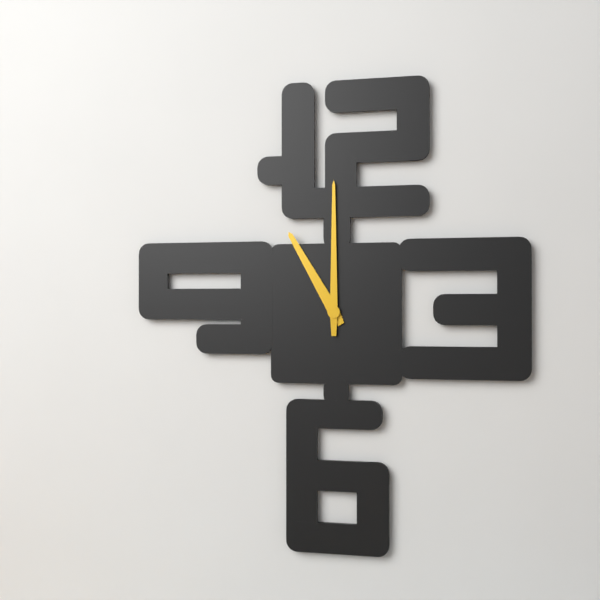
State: h=11 m=0
